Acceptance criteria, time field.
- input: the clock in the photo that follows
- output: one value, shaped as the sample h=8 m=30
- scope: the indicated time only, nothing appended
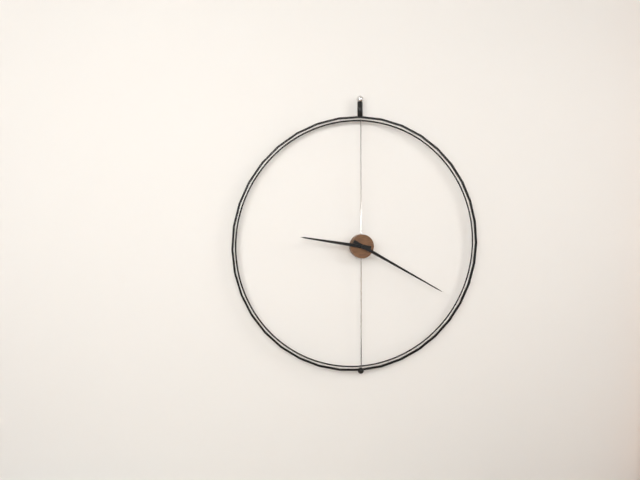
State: h=9 m=20
